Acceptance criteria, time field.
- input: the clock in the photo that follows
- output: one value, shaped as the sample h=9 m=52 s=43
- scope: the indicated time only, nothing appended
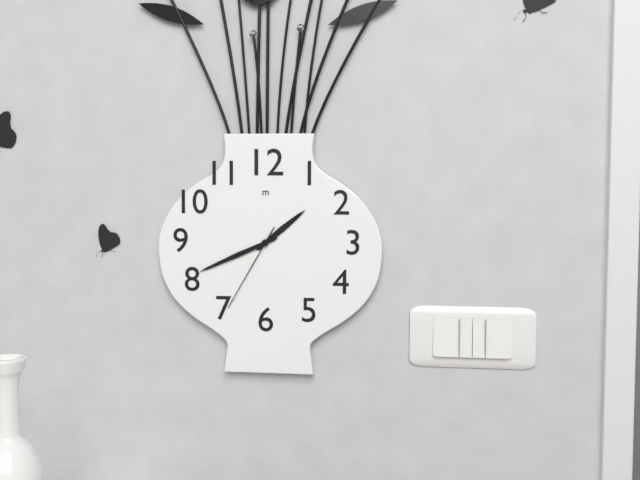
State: h=1 m=41 s=35
